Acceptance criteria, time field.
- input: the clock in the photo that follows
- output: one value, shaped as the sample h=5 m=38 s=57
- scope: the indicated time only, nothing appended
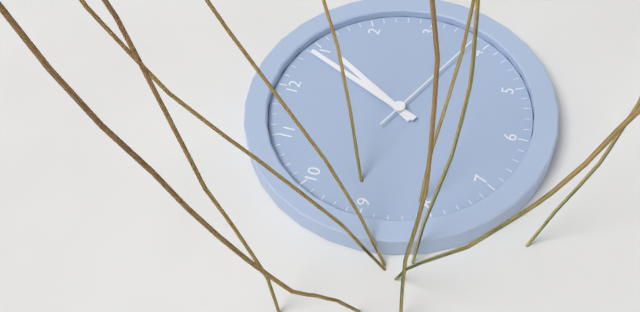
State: h=1 m=4 s=19
